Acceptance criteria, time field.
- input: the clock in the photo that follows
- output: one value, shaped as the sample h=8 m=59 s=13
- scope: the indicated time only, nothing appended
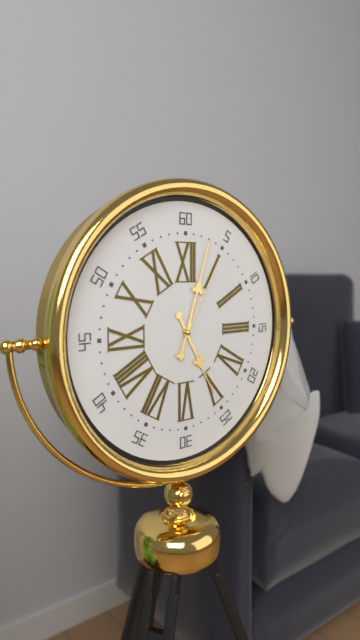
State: h=5 m=3 s=5
